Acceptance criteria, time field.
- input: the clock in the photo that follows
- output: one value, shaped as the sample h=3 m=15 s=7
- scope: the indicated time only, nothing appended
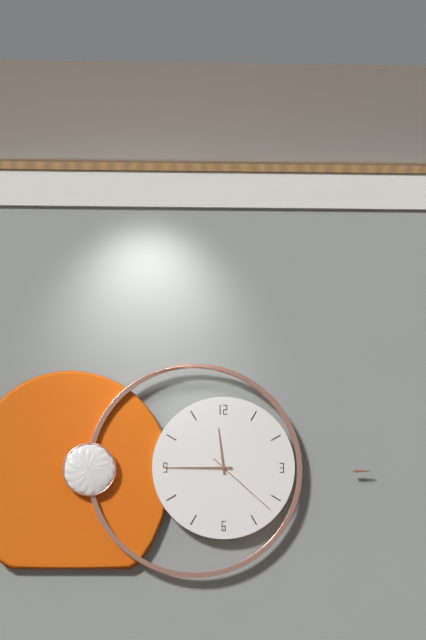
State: h=11 m=45 s=22
